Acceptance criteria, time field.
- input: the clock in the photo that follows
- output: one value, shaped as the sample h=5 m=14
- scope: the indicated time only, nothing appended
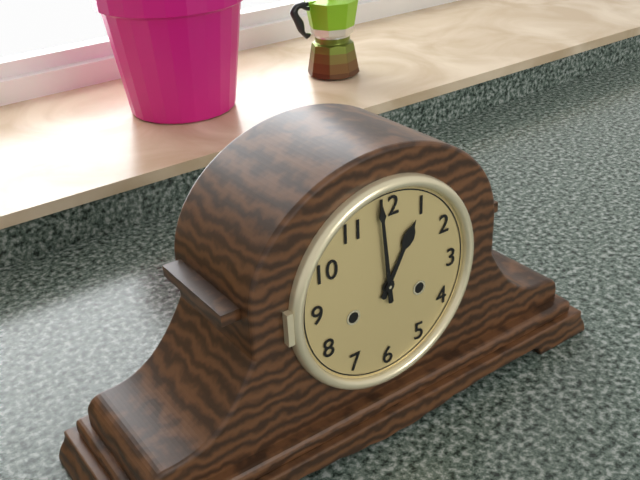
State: h=12 m=59
